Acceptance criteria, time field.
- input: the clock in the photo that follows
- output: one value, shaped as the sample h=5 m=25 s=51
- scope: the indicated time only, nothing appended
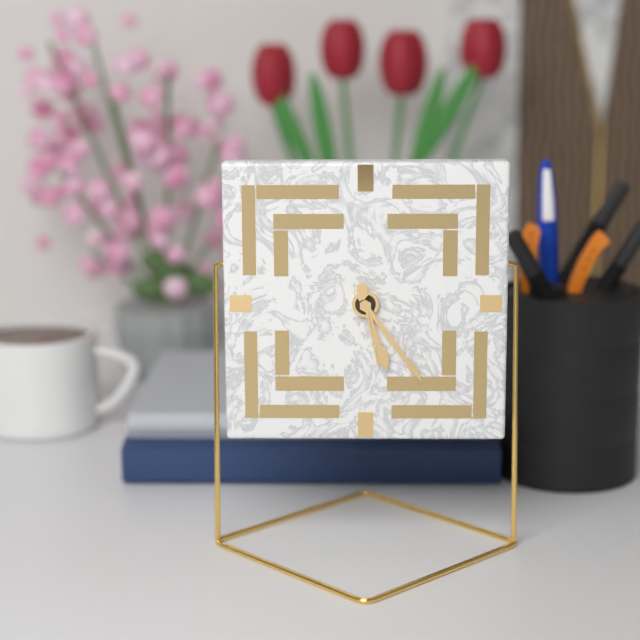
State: h=5 m=24 s=28
